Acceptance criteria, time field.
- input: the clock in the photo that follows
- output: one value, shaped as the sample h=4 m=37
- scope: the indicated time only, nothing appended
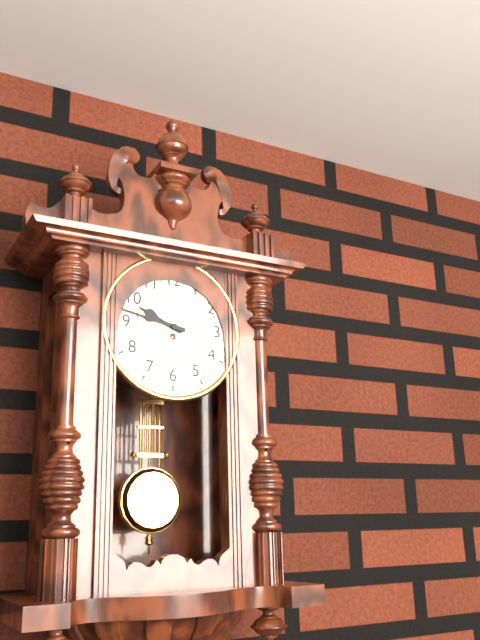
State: h=9 m=47
